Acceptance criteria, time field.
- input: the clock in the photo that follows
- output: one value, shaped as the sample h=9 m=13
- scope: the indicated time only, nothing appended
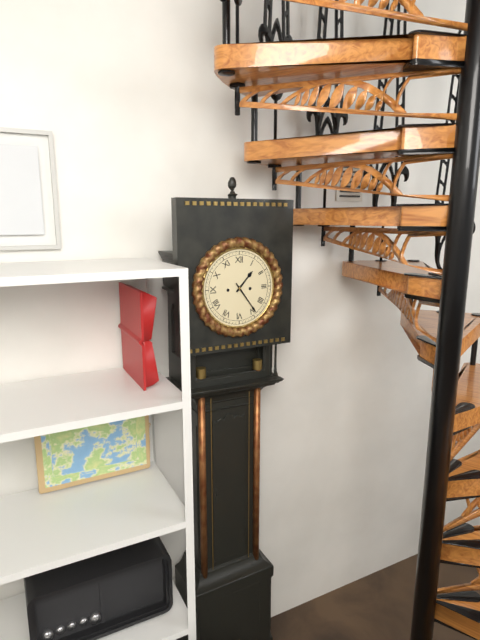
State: h=1 m=24
